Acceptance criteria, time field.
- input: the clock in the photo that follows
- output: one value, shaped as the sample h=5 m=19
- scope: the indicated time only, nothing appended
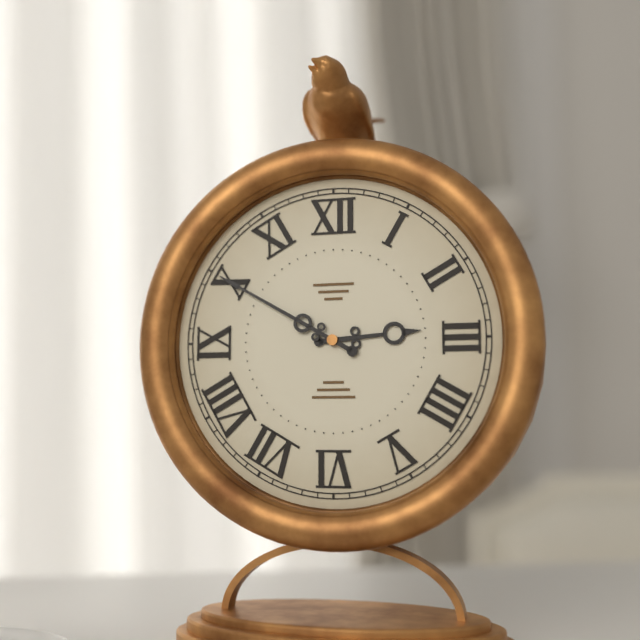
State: h=2 m=50
